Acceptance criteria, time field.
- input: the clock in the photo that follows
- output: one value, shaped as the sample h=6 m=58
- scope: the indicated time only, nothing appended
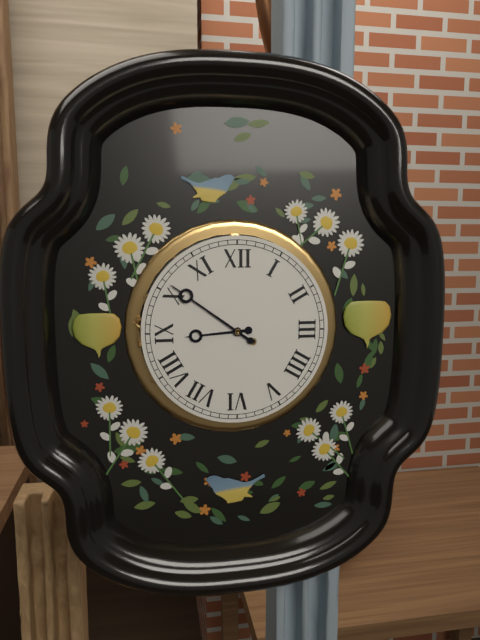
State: h=8 m=51
